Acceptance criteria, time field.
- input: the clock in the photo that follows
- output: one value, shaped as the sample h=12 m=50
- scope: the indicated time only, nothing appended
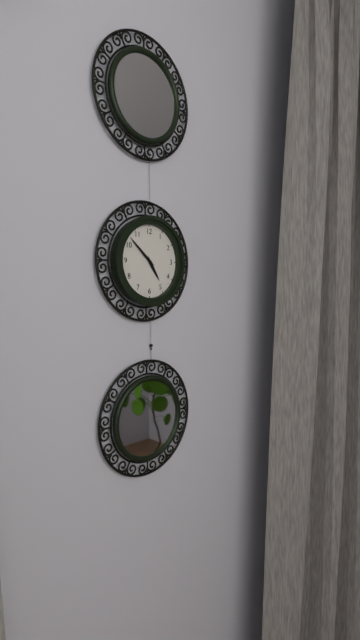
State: h=4 m=52
